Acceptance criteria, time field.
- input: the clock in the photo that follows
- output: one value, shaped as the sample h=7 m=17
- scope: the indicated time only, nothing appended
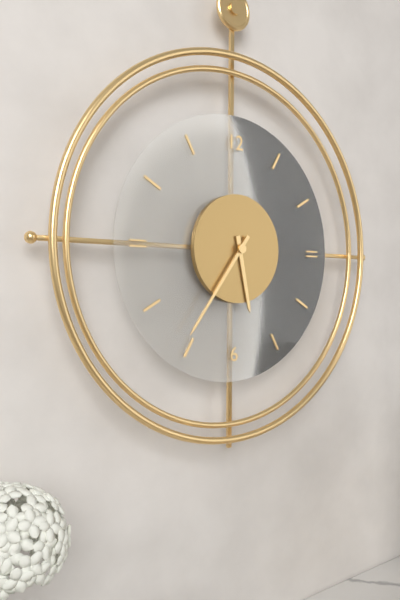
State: h=5 m=36
